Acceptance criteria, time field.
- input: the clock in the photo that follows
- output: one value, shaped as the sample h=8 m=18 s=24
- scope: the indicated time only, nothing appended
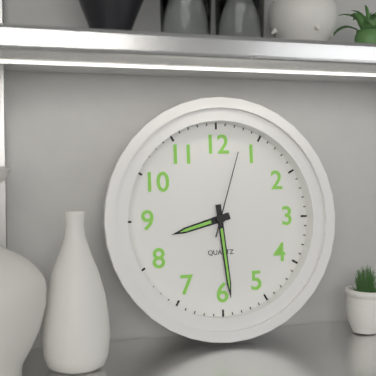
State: h=8 m=29 s=3
